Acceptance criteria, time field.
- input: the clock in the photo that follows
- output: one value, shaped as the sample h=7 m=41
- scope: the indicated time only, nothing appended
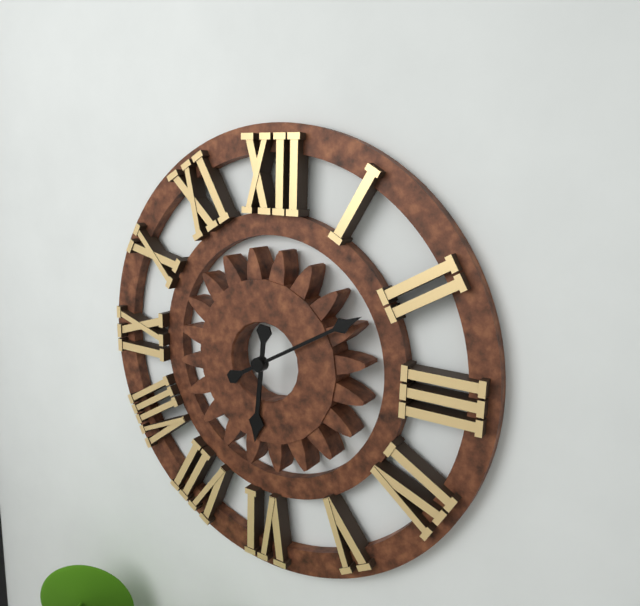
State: h=6 m=10
